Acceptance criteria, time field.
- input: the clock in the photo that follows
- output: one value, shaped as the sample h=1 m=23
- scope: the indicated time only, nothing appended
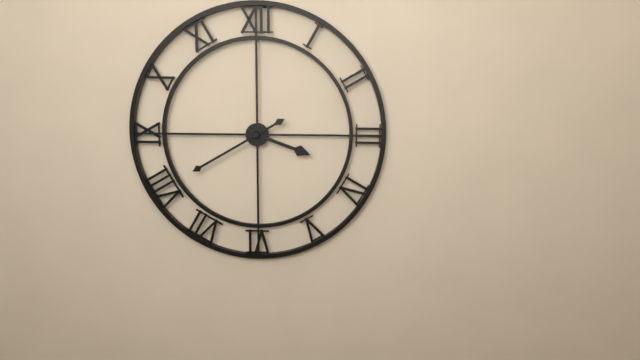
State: h=3 m=40
